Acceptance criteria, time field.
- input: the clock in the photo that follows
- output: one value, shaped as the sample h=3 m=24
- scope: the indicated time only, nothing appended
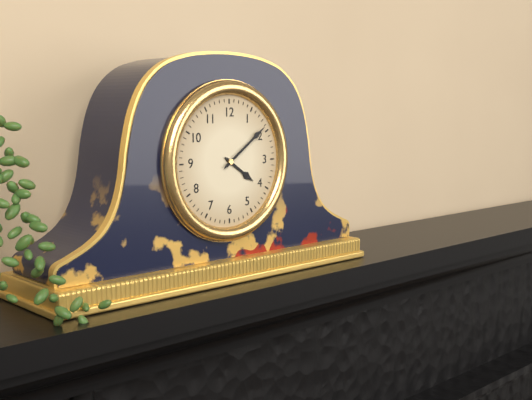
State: h=4 m=9
